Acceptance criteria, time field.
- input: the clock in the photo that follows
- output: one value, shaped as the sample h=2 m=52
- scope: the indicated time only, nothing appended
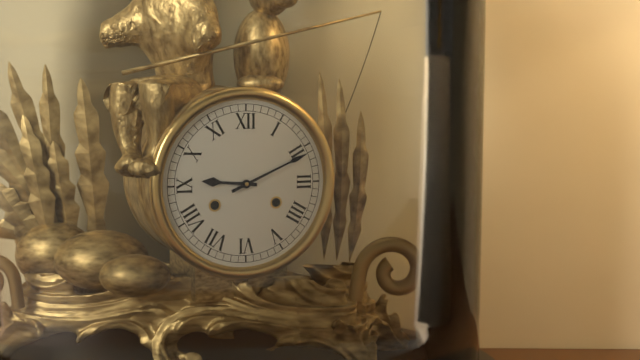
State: h=9 m=11
